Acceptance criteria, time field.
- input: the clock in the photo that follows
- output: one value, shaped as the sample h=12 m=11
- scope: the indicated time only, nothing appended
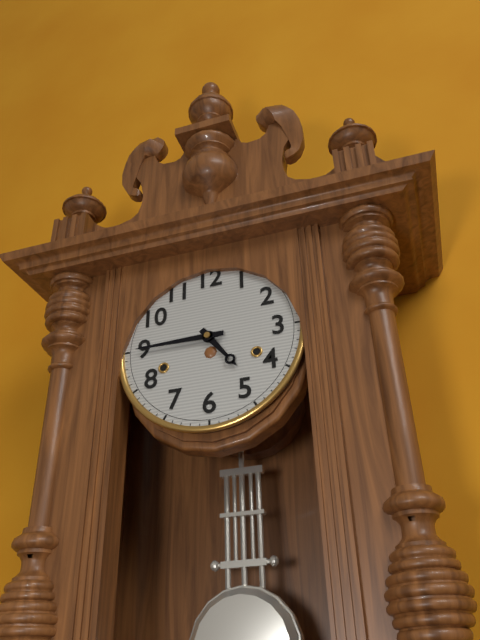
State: h=4 m=45
